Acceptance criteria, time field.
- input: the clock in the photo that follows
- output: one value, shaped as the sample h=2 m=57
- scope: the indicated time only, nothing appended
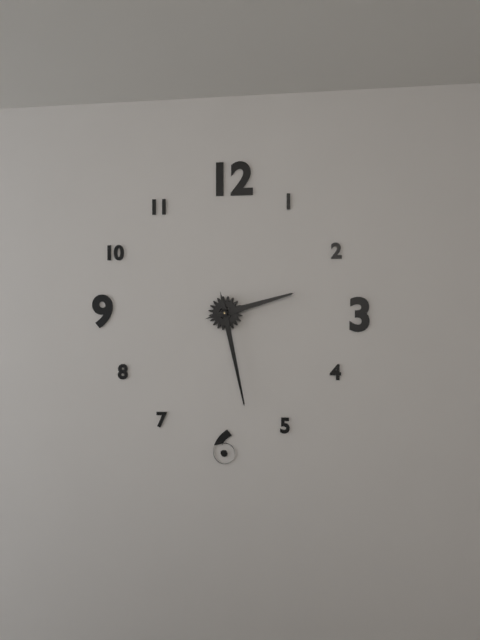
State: h=2 m=28
